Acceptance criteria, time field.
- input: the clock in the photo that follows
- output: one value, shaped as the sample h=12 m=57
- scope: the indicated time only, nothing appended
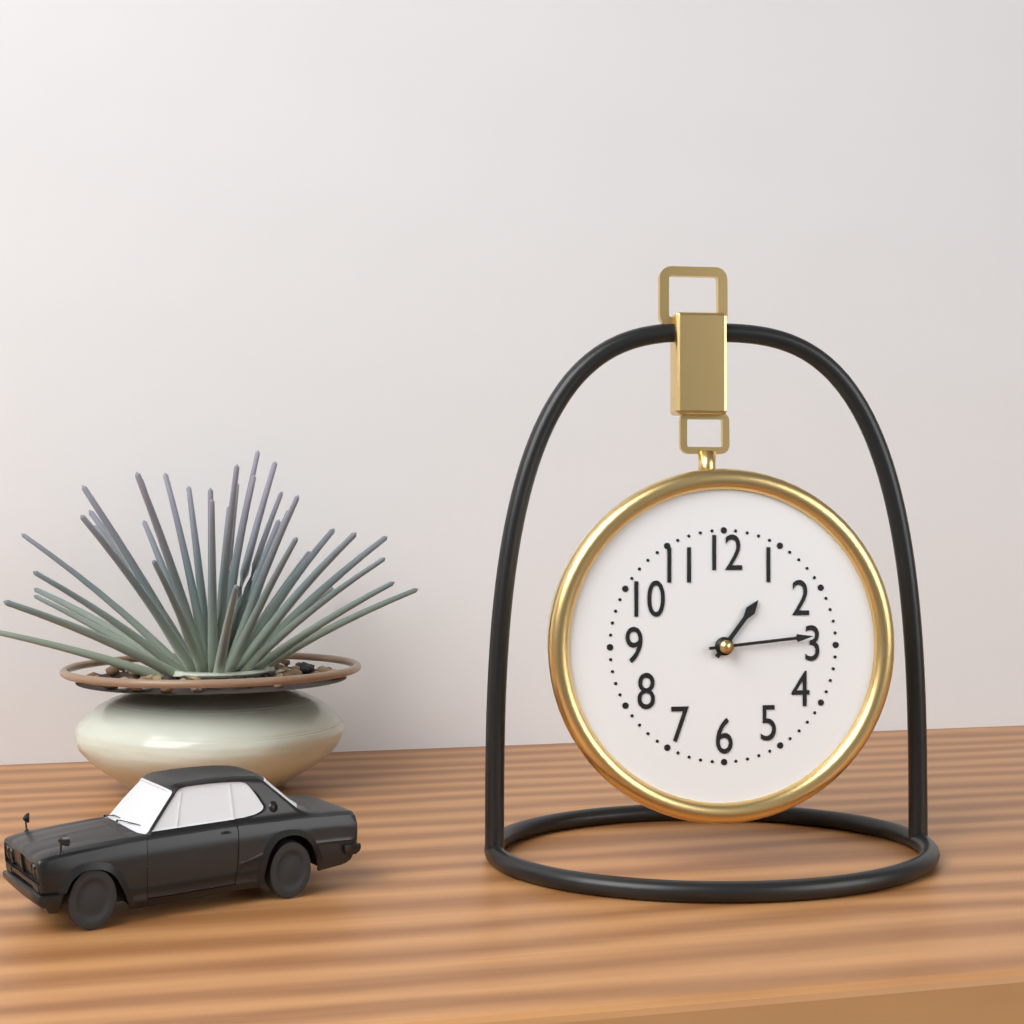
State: h=1 m=14
